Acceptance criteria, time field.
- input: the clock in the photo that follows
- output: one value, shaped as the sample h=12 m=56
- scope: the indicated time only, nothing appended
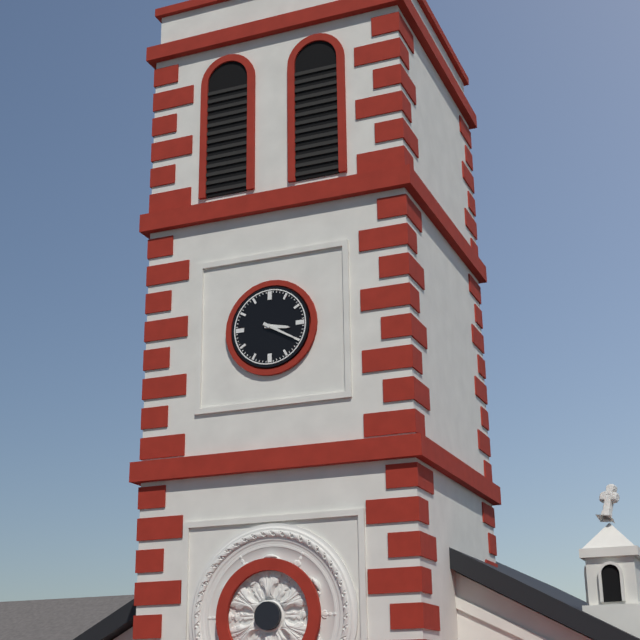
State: h=3 m=20
